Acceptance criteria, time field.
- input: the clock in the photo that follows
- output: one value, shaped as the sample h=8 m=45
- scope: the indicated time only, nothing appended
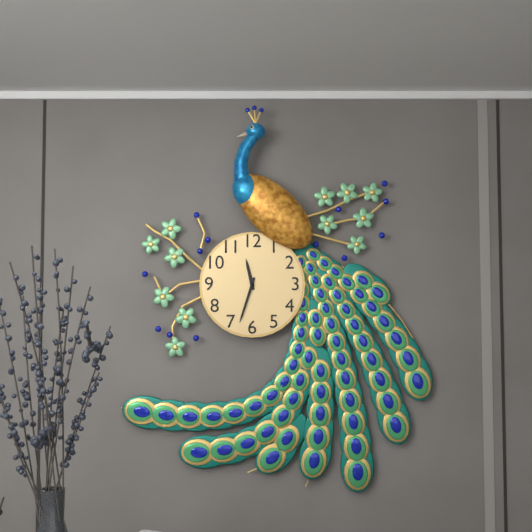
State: h=11 m=33
